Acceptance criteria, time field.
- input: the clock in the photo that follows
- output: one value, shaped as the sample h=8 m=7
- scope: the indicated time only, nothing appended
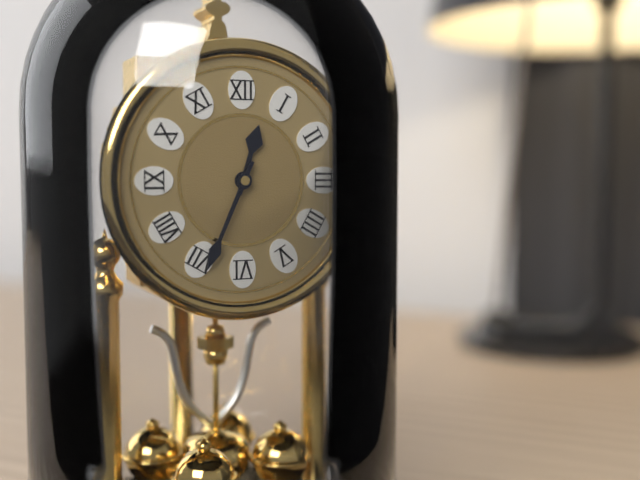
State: h=12 m=34
